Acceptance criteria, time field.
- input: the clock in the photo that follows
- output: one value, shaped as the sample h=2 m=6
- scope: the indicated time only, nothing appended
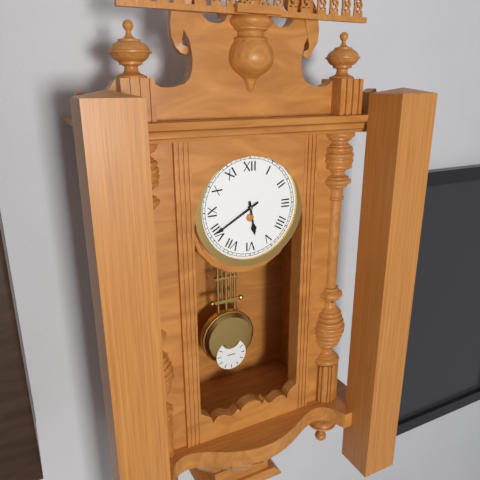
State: h=5 m=40
